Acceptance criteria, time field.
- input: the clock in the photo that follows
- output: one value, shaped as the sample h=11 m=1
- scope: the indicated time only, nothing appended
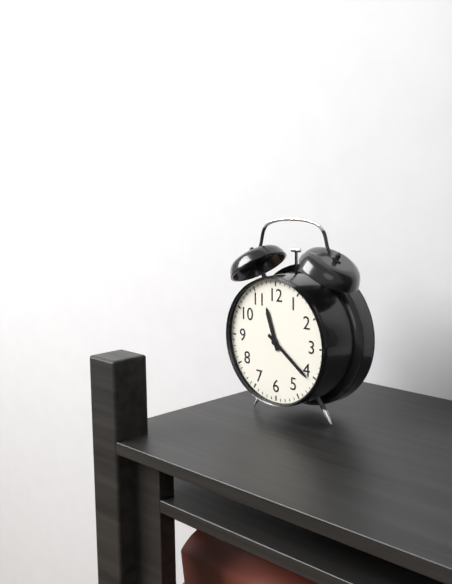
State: h=11 m=21
